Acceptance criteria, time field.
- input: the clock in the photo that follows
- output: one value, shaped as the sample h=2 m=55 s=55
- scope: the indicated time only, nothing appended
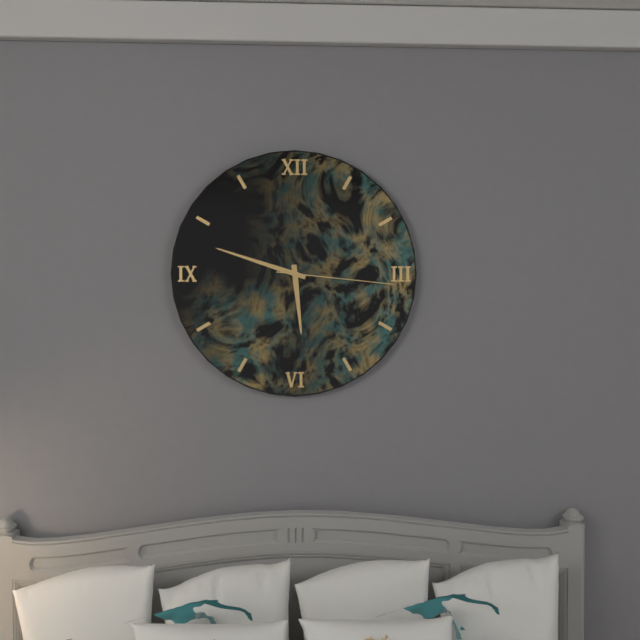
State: h=5 m=48 s=16
